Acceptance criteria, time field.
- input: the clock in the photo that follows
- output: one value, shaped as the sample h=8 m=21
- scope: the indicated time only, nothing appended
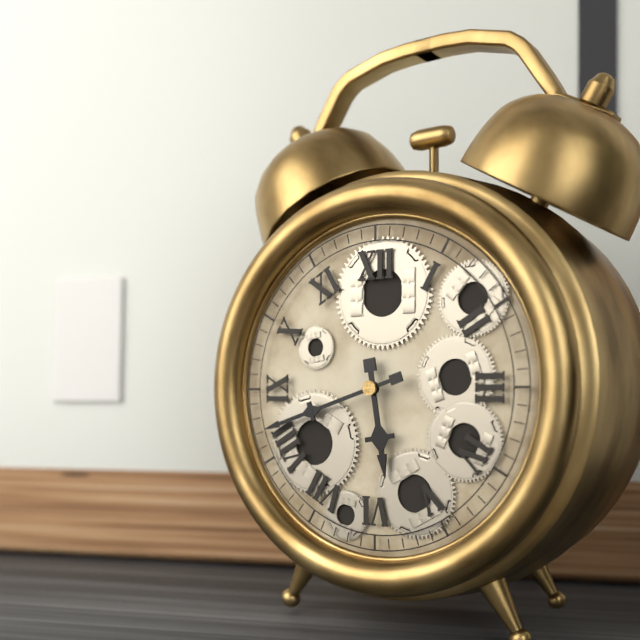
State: h=5 m=42
